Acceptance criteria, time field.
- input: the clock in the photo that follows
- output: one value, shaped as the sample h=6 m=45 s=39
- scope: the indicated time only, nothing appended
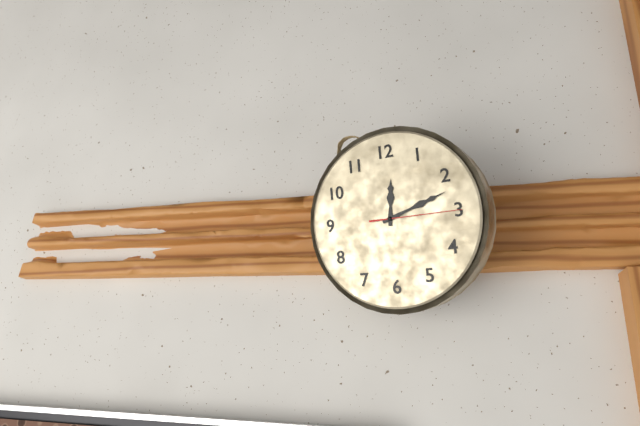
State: h=12 m=12 s=15
